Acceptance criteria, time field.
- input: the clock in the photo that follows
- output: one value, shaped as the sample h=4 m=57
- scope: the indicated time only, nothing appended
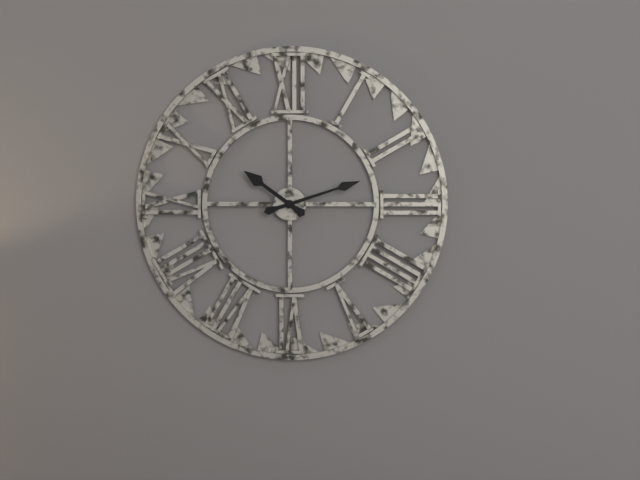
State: h=10 m=12
